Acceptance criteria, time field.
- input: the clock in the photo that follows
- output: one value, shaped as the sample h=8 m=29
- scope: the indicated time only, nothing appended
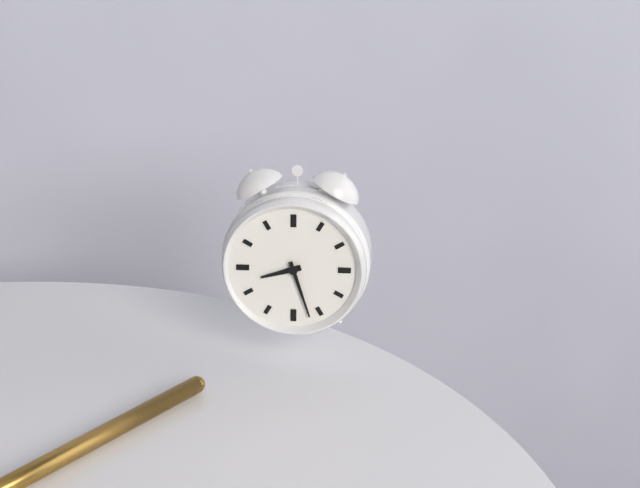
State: h=8 m=27
